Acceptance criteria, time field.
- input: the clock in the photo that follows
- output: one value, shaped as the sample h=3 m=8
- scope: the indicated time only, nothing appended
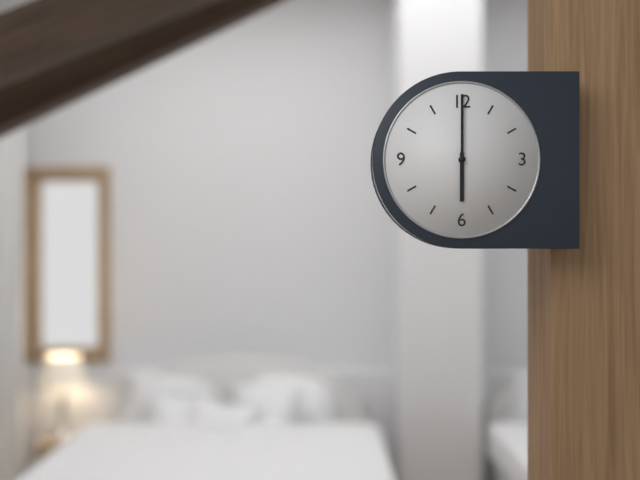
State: h=6 m=0
